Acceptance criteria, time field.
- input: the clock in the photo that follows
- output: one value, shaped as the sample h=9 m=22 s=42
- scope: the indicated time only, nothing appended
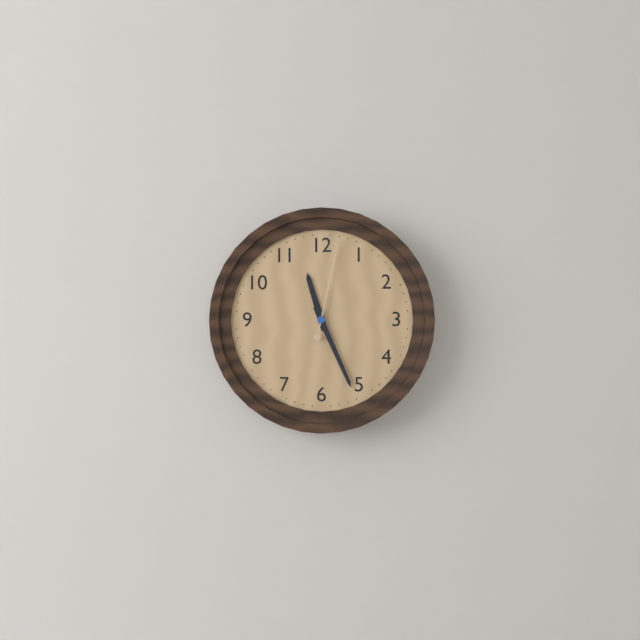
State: h=11 m=26 s=2
